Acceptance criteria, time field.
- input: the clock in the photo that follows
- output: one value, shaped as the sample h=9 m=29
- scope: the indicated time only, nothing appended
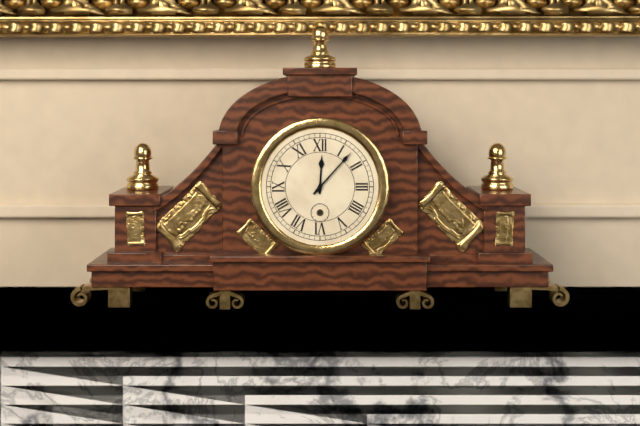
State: h=12 m=7
